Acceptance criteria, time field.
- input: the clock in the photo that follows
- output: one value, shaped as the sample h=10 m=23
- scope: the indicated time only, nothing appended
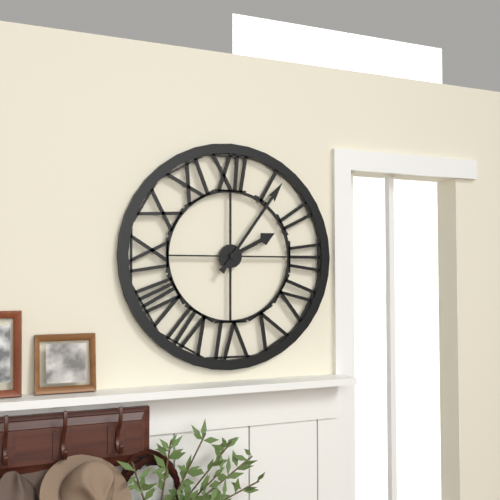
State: h=2 m=6
